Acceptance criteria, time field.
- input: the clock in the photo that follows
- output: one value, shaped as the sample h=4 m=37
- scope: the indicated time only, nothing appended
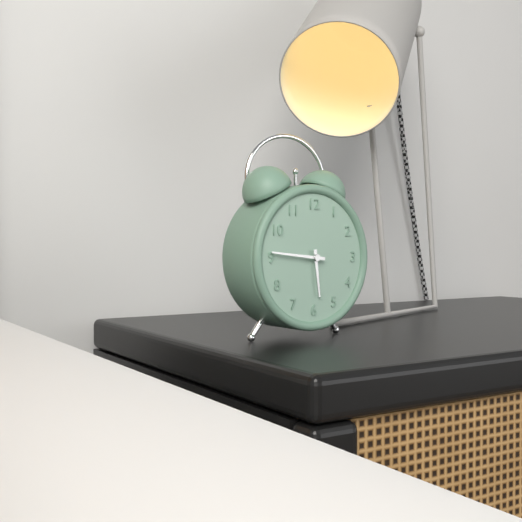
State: h=5 m=46
